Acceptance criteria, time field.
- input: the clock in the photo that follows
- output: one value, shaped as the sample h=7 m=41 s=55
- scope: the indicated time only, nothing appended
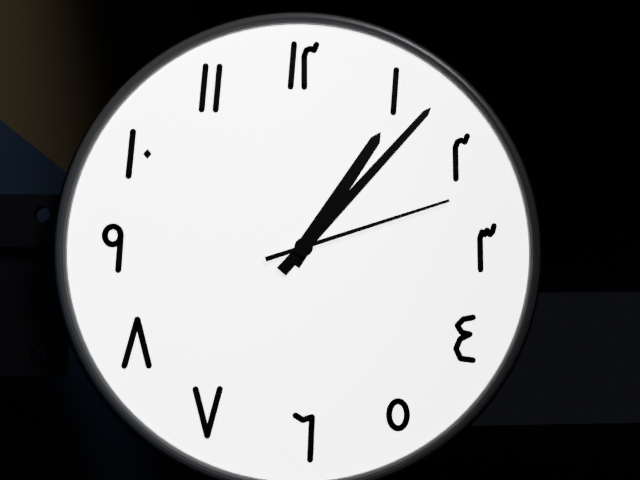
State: h=1 m=7 s=12
